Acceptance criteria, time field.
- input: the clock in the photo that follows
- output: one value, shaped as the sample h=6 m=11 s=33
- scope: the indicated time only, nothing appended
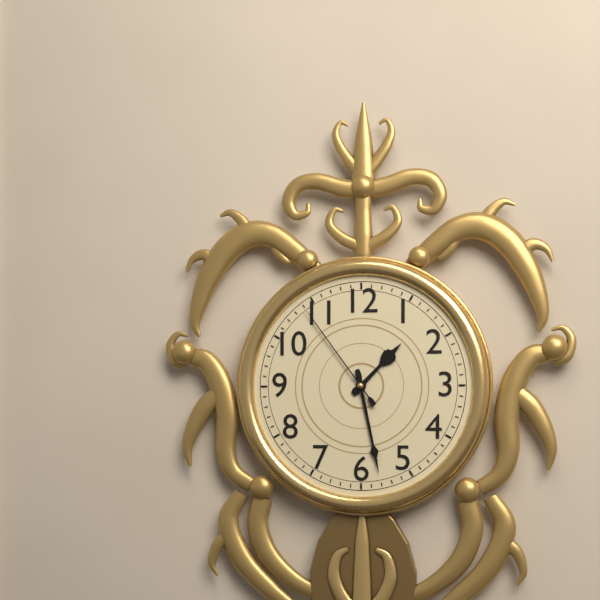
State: h=1 m=28 s=54
